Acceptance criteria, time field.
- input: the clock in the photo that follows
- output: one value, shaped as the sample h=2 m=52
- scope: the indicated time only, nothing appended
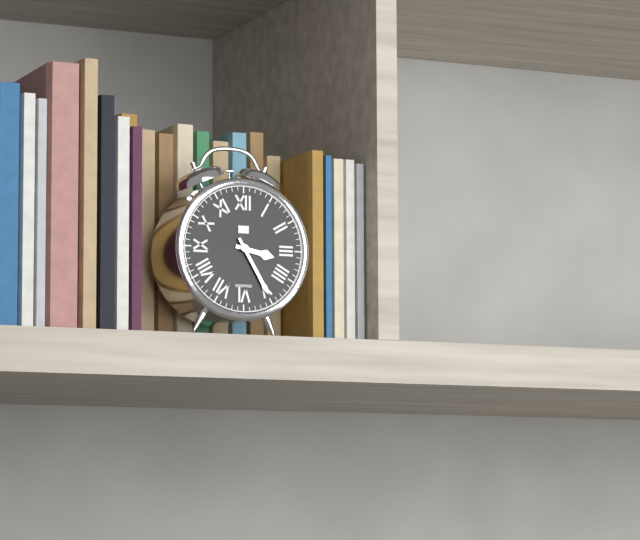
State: h=3 m=25
